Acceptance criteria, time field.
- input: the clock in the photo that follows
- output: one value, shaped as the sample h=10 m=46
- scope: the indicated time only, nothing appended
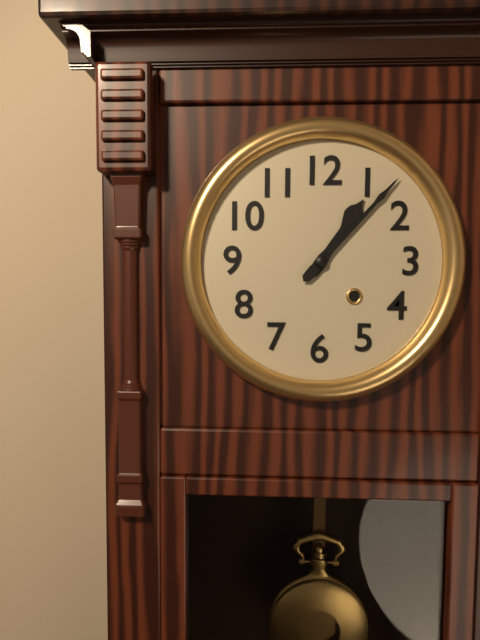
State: h=1 m=7
